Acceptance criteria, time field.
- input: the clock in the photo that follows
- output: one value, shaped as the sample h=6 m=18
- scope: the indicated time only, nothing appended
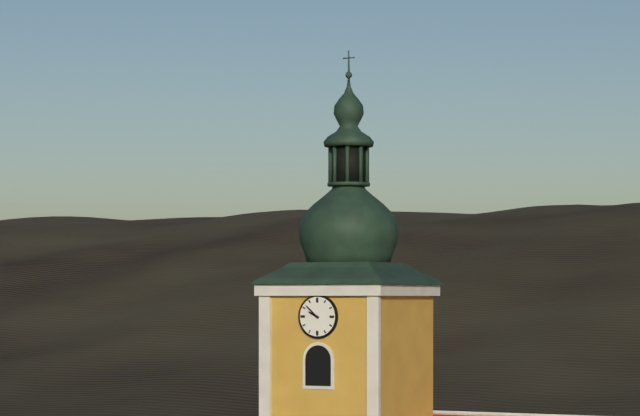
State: h=9 m=52
